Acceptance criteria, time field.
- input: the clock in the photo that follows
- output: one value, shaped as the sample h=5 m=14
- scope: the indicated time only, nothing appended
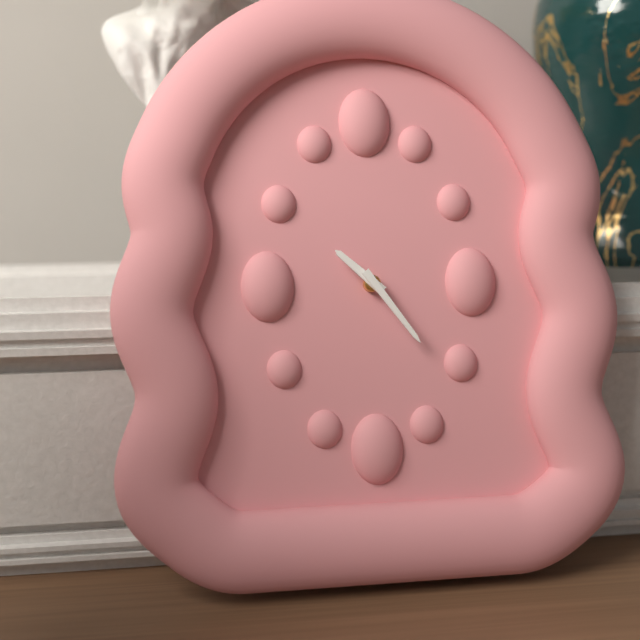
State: h=10 m=24
